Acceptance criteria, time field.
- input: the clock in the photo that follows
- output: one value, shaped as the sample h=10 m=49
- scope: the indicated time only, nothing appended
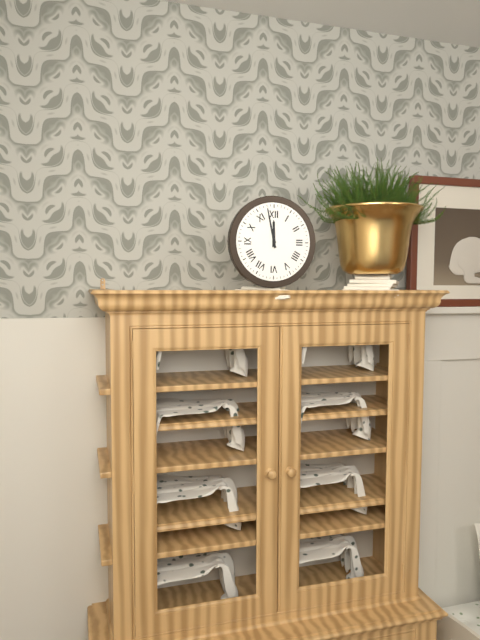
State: h=11 m=58
